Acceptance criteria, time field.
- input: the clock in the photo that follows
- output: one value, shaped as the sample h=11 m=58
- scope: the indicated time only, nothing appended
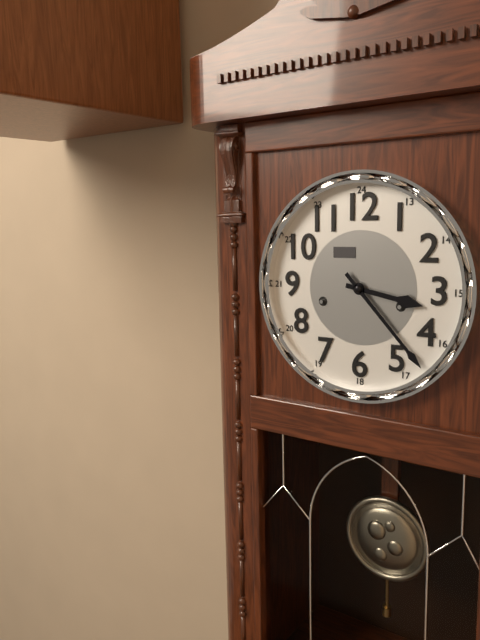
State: h=3 m=23
